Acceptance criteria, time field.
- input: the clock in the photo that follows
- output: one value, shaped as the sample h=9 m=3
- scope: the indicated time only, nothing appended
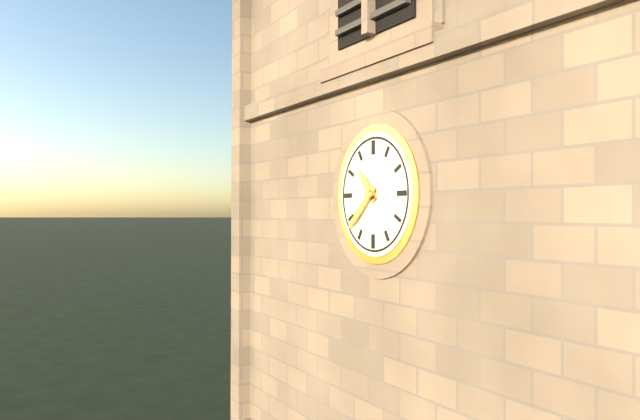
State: h=10 m=38
